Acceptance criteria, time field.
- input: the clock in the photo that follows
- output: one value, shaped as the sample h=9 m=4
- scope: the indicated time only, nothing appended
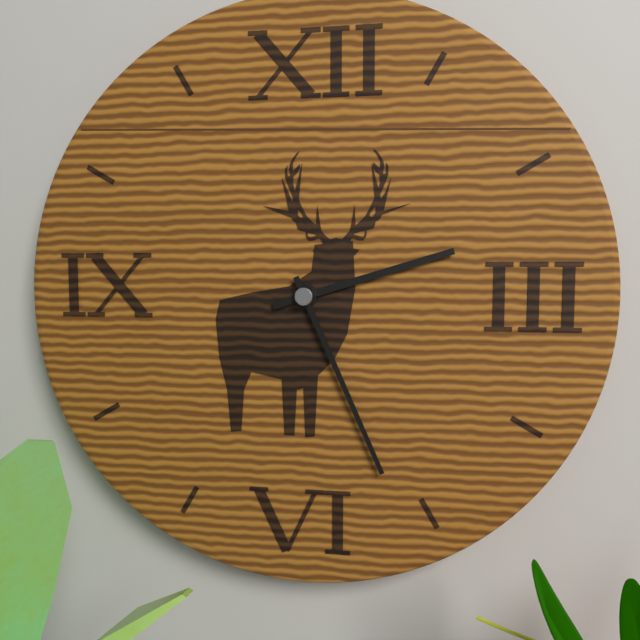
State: h=2 m=26
